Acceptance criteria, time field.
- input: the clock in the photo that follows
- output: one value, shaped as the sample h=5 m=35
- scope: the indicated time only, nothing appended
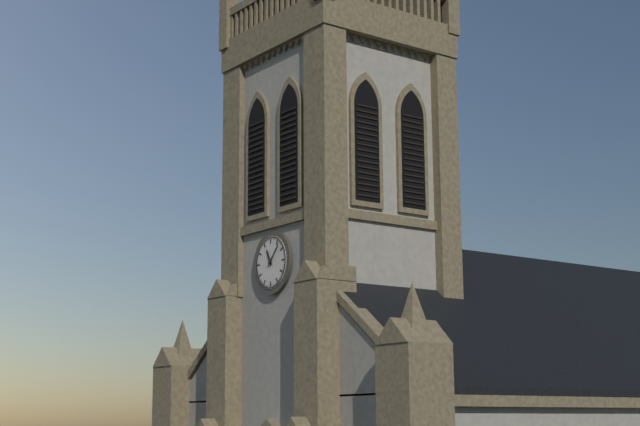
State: h=11 m=7
